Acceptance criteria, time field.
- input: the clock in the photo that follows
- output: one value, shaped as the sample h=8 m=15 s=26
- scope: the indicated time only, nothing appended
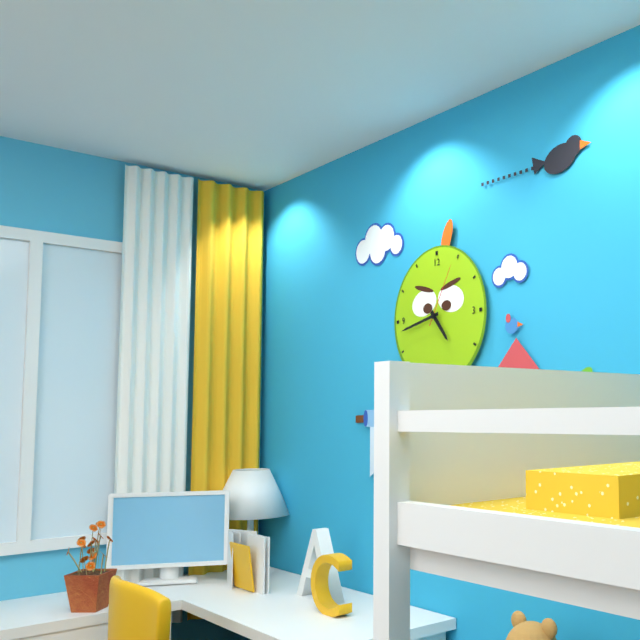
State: h=4 m=43 s=5
